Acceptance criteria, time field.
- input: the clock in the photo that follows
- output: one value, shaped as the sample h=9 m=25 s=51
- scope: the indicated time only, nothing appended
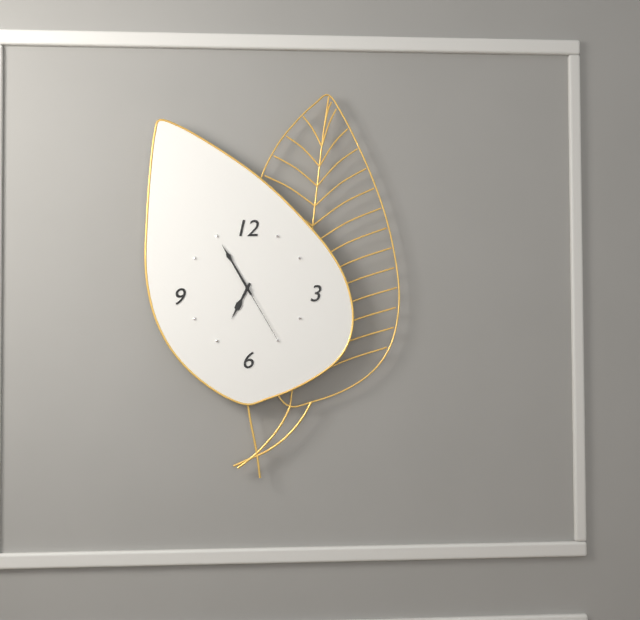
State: h=6 m=55 s=25
